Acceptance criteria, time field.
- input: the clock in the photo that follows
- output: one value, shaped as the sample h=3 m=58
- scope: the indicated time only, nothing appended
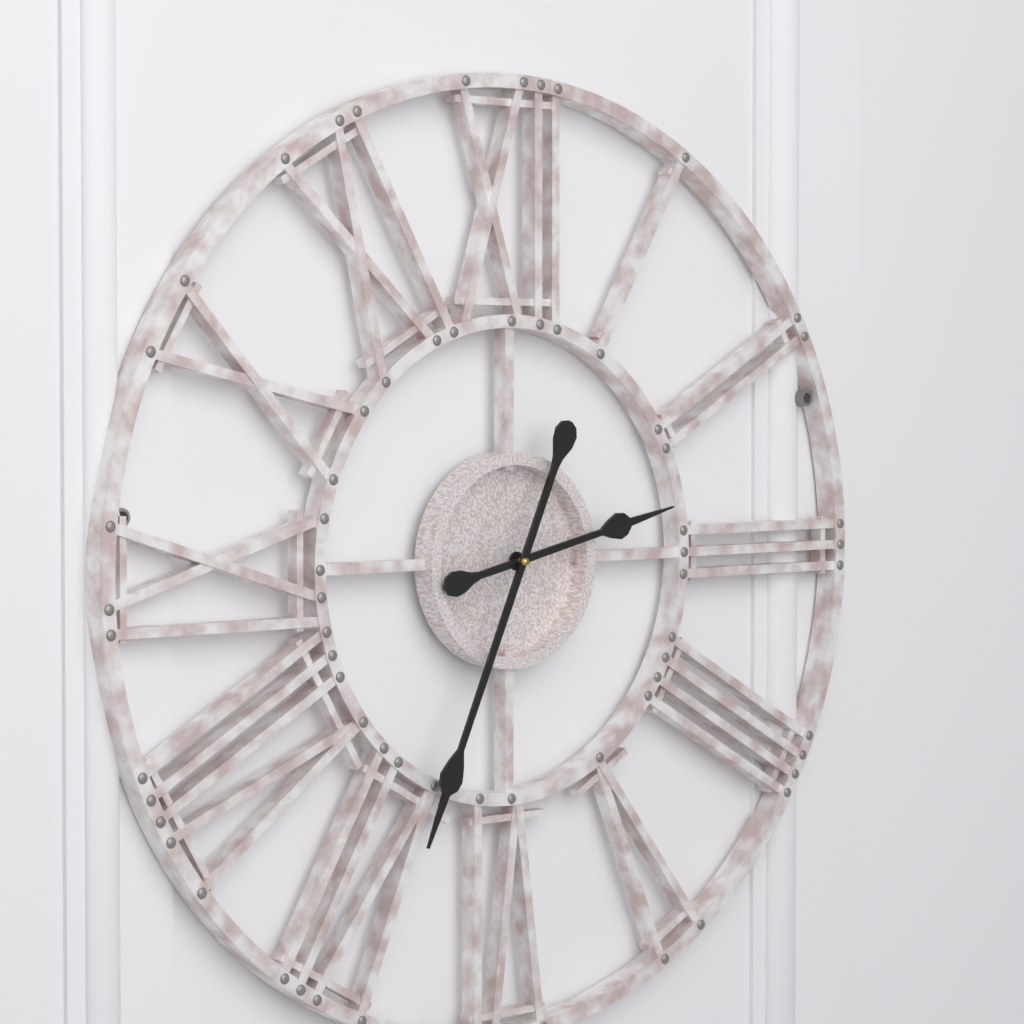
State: h=2 m=34
